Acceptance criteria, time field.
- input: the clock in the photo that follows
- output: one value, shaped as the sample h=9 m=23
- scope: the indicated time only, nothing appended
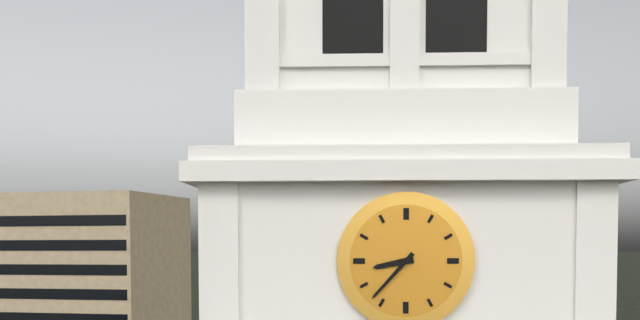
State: h=8 m=37
